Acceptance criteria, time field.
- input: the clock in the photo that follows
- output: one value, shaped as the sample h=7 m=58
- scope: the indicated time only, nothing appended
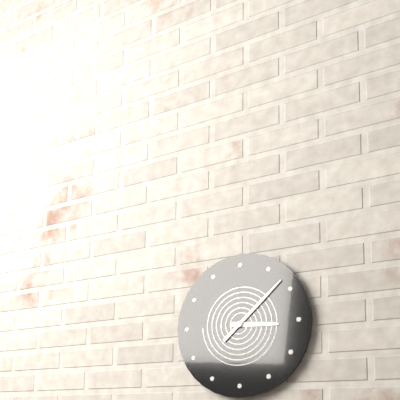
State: h=3 m=8
